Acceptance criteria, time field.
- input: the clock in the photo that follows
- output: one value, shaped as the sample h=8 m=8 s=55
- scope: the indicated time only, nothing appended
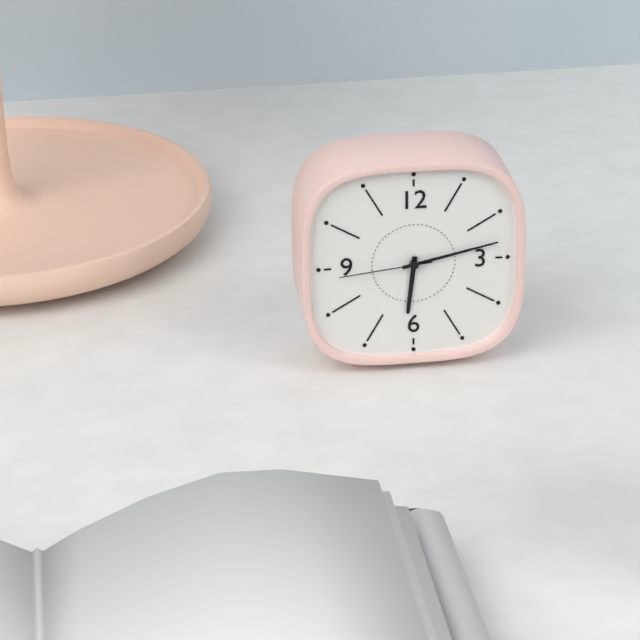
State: h=6 m=13 s=44
